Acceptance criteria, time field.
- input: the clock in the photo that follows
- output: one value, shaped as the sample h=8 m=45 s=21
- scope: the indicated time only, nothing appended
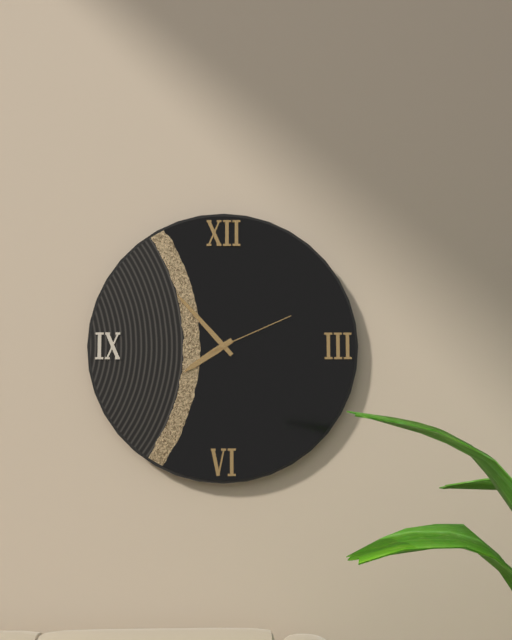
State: h=7 m=53 s=11
